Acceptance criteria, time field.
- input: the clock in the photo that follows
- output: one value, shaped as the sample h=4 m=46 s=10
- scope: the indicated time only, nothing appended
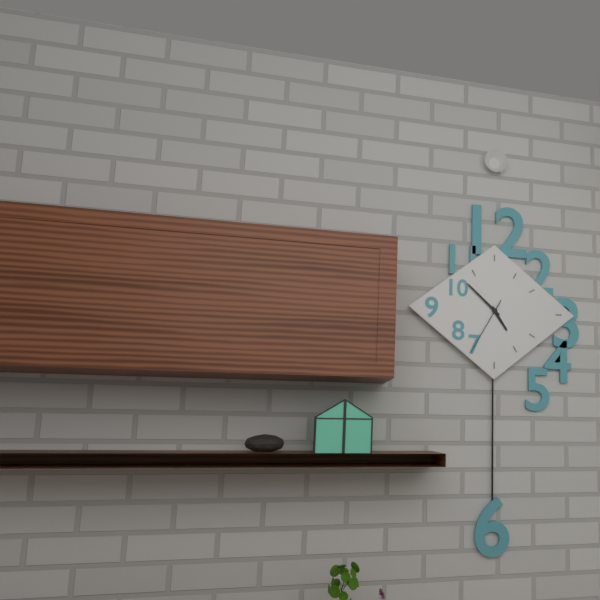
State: h=4 m=52 s=35
